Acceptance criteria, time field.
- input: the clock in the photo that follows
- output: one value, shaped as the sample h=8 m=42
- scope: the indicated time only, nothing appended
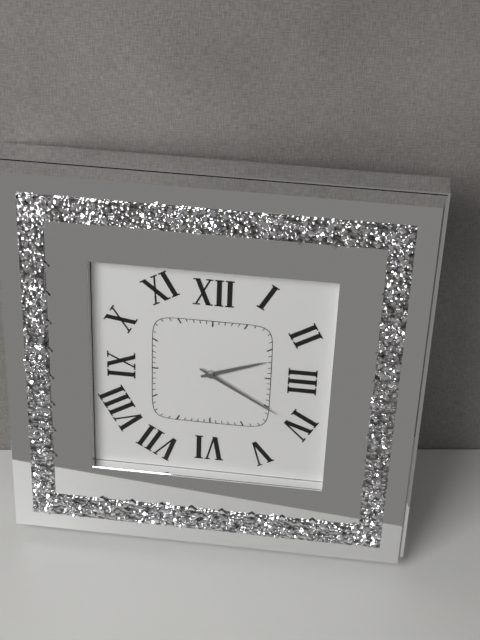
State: h=2 m=20
